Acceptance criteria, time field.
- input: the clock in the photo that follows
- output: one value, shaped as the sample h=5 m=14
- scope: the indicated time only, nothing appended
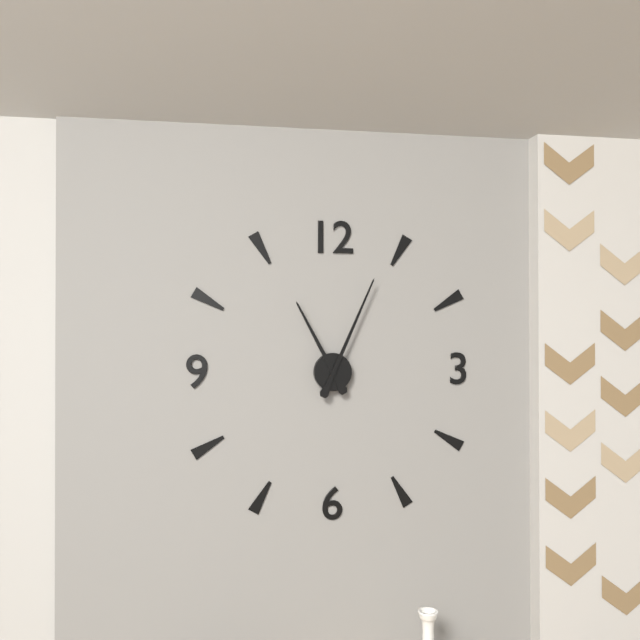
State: h=11 m=4
